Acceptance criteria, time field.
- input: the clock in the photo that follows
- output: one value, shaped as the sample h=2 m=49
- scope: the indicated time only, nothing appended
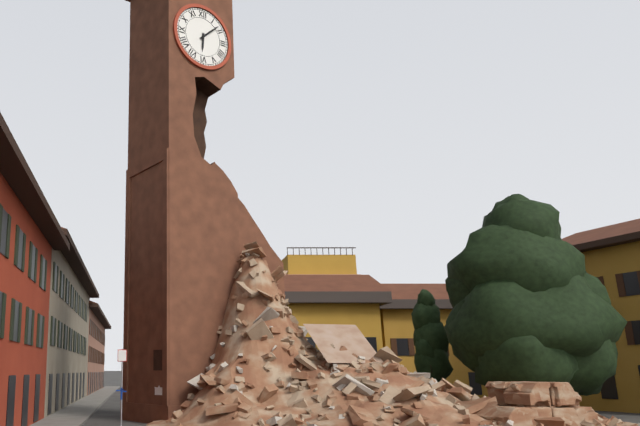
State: h=6 m=8
